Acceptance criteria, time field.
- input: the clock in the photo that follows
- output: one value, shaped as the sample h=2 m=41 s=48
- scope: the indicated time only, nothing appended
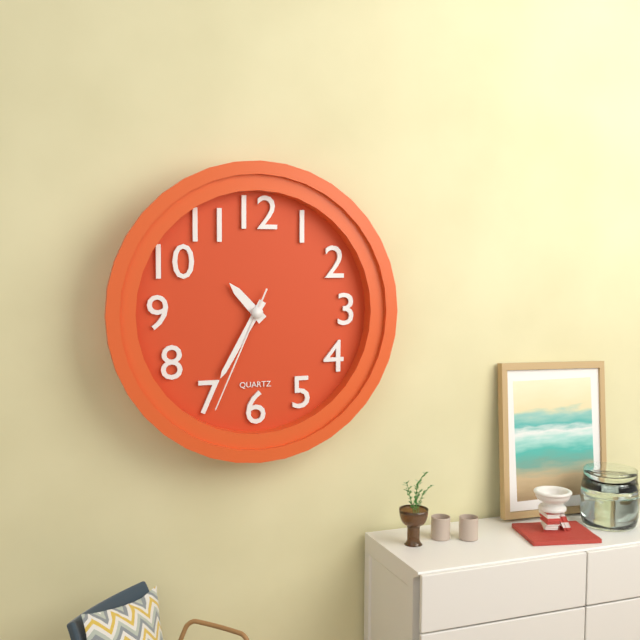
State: h=10 m=35 s=34
